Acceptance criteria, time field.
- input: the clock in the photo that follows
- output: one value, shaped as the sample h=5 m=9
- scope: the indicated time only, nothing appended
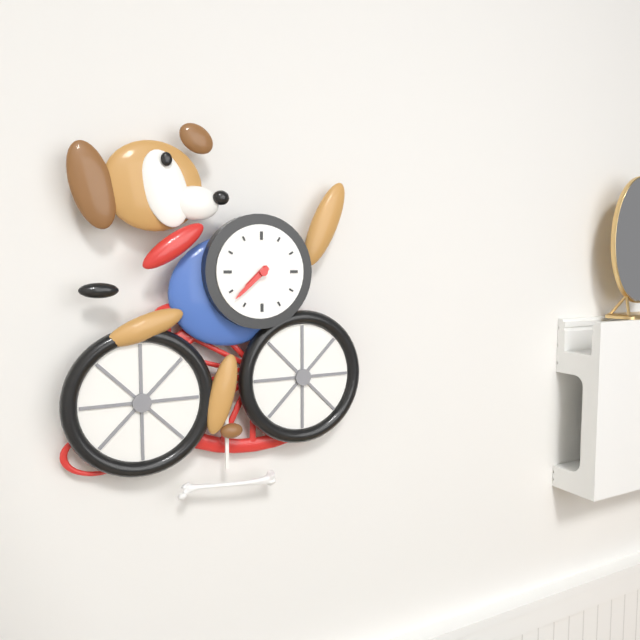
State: h=7 m=38
